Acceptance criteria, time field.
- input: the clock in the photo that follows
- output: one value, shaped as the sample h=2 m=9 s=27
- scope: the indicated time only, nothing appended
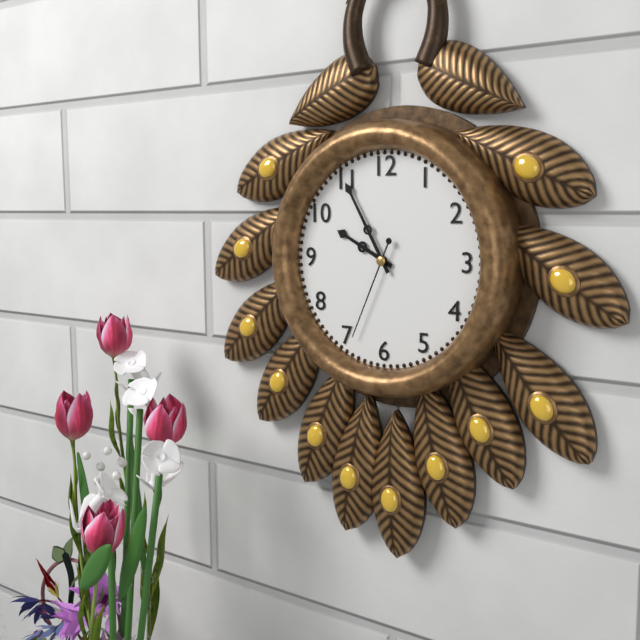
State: h=9 m=55 s=34
